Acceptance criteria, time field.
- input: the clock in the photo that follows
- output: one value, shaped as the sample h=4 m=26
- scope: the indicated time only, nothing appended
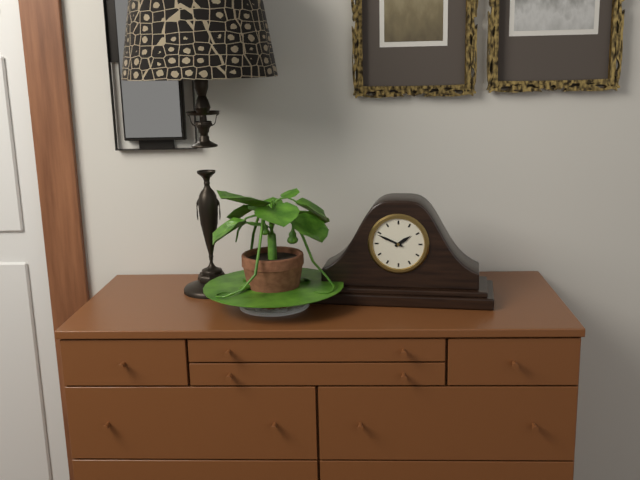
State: h=1 m=49
